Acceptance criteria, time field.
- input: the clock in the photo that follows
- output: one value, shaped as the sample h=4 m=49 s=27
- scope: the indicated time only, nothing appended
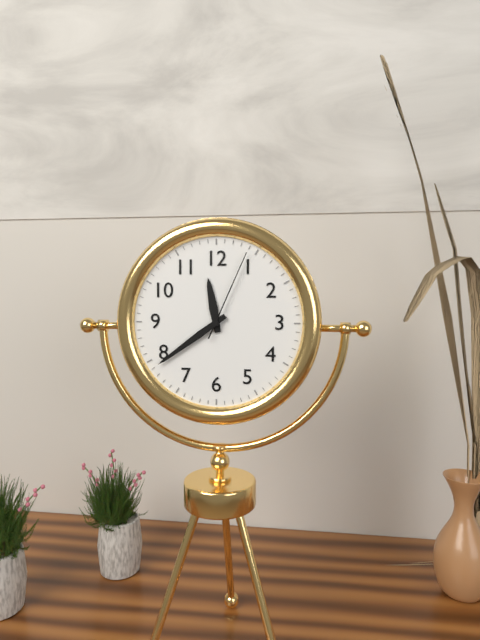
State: h=11 m=39 s=4
